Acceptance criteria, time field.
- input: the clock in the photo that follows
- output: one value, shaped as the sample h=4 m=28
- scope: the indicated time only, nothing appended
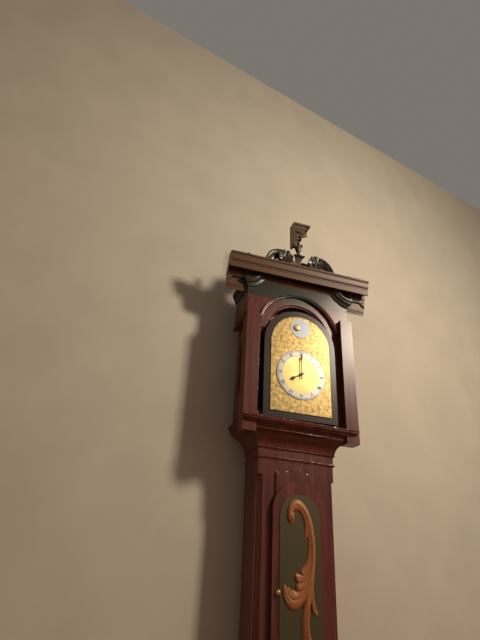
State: h=8 m=0
